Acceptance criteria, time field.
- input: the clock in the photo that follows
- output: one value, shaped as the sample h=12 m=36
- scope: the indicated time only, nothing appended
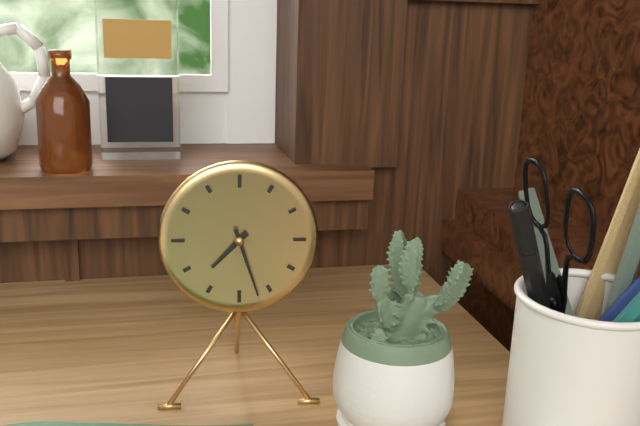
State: h=7 m=27
